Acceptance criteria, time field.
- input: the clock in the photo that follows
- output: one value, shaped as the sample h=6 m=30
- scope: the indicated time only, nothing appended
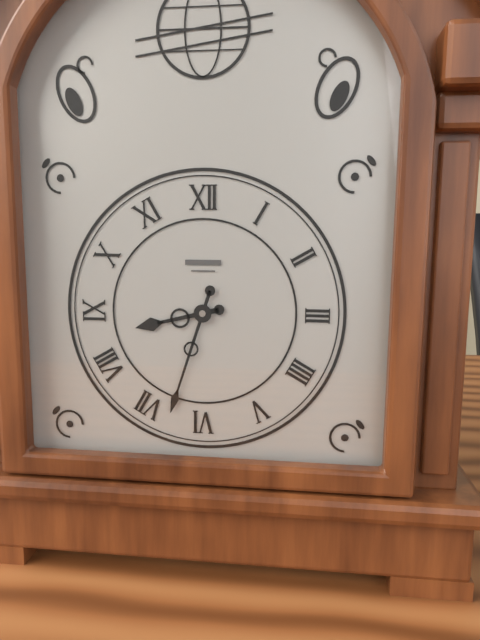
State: h=8 m=33
